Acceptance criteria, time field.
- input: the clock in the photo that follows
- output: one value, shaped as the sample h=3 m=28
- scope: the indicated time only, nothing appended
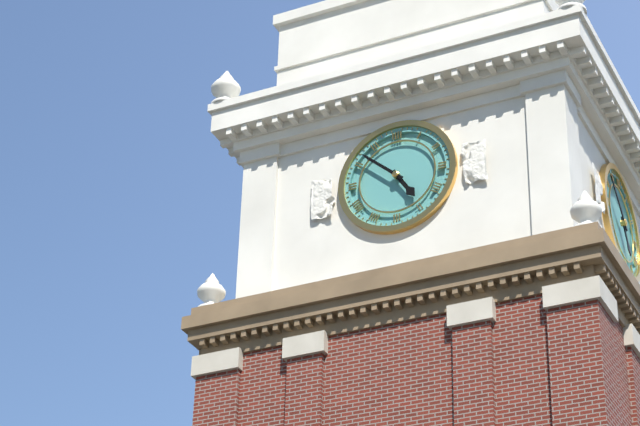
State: h=4 m=52
